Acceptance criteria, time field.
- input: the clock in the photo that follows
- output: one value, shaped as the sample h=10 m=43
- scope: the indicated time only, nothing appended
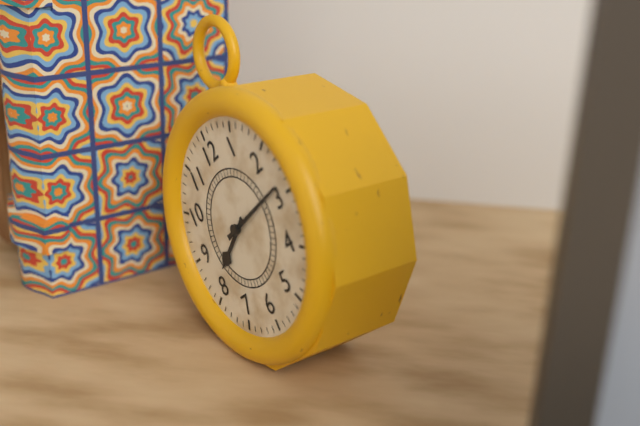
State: h=8 m=14
